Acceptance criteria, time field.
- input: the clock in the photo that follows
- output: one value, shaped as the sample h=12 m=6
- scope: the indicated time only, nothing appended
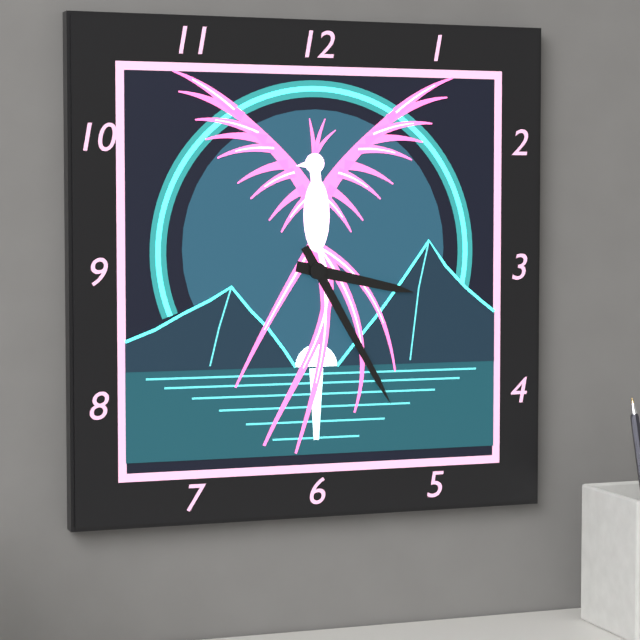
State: h=3 m=25
